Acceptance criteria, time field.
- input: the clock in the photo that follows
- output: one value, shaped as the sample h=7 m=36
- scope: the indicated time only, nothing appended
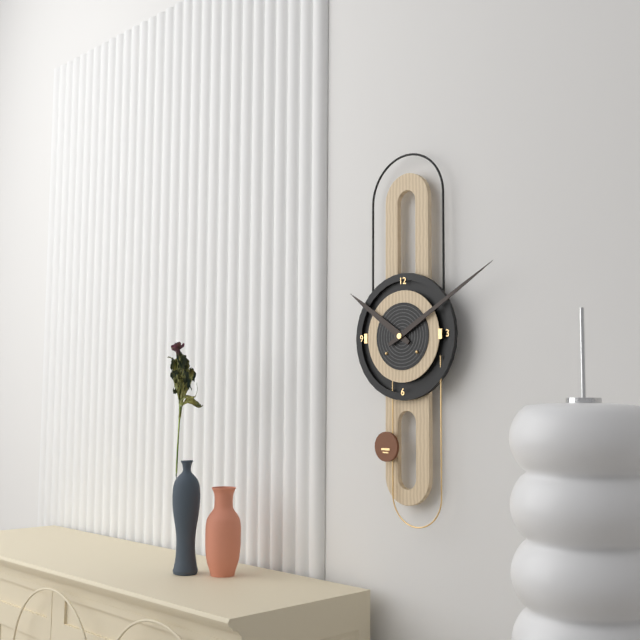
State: h=10 m=10
